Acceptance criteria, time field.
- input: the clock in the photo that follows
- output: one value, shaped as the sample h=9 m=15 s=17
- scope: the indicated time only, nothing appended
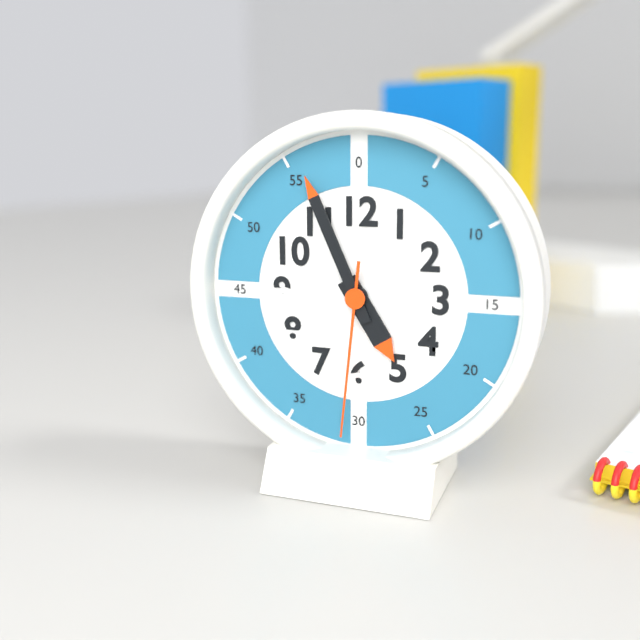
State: h=4 m=56 s=31
